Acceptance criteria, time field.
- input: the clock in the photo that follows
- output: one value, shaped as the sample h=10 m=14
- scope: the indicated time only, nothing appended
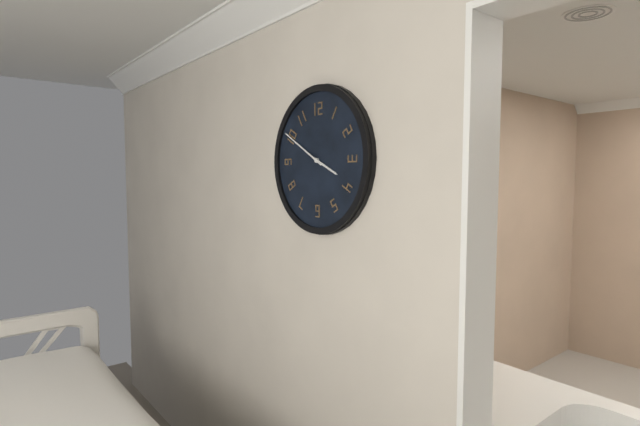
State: h=3 m=50
